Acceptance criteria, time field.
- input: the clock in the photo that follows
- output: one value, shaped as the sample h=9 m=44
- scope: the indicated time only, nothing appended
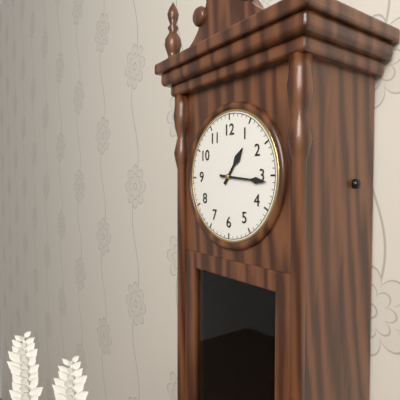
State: h=1 m=16
